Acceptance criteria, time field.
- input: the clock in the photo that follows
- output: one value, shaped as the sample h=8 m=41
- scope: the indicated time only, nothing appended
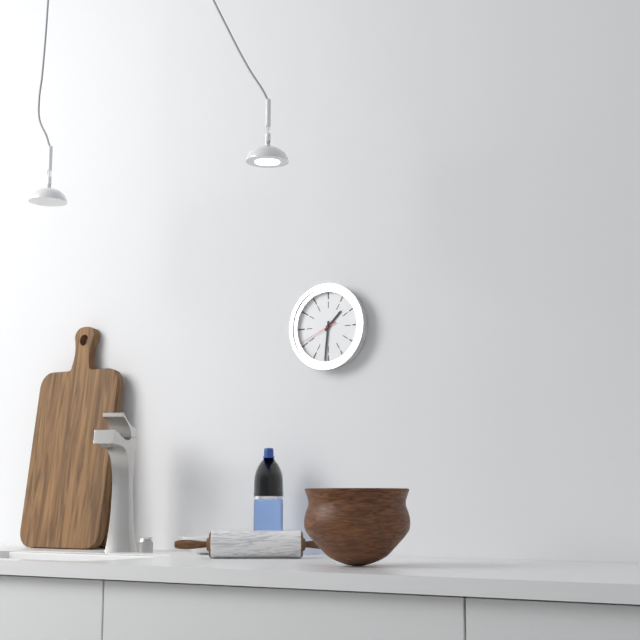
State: h=1 m=31
